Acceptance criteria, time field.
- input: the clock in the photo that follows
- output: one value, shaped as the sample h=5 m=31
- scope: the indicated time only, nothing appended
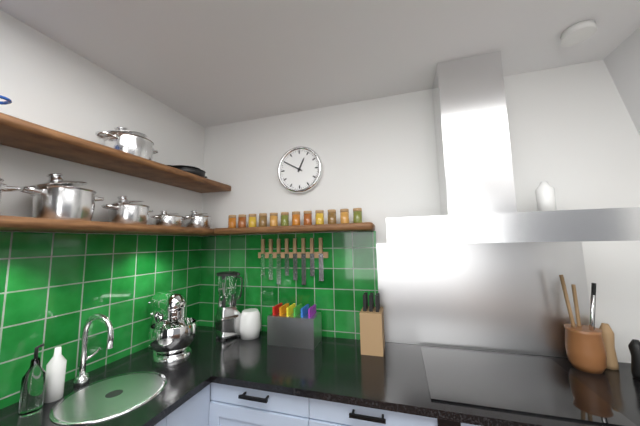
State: h=12 m=50
